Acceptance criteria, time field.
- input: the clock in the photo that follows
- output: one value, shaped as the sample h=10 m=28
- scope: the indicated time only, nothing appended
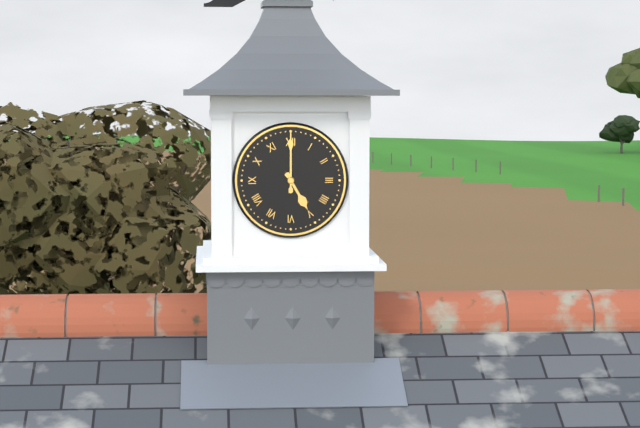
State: h=5 m=0
